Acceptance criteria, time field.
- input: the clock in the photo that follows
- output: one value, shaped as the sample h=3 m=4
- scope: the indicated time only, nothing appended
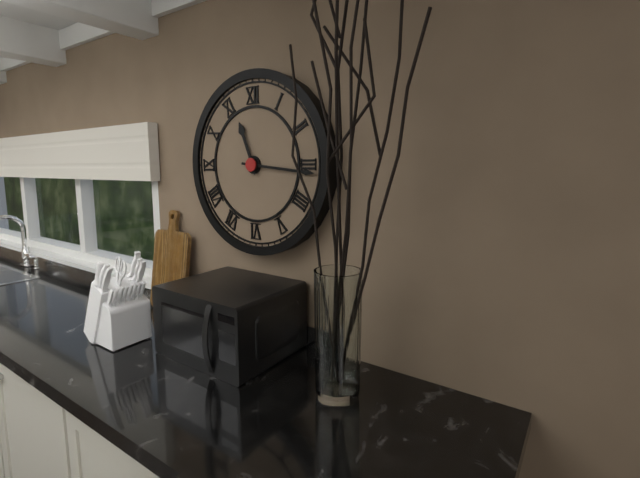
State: h=11 m=16
